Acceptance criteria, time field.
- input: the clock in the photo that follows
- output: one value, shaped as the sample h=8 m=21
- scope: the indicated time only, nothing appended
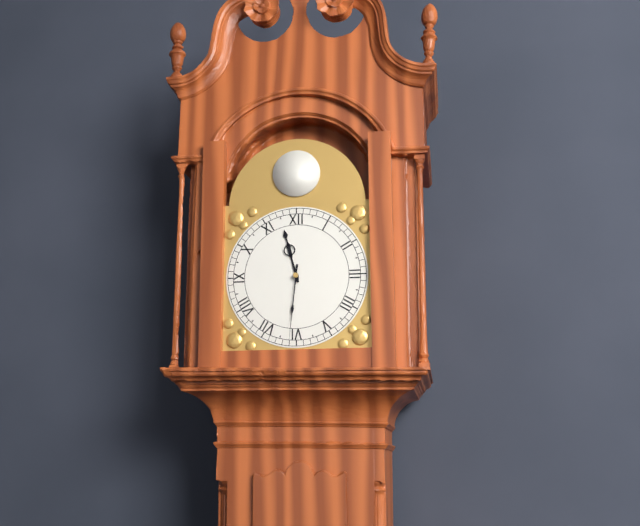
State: h=11 m=31
